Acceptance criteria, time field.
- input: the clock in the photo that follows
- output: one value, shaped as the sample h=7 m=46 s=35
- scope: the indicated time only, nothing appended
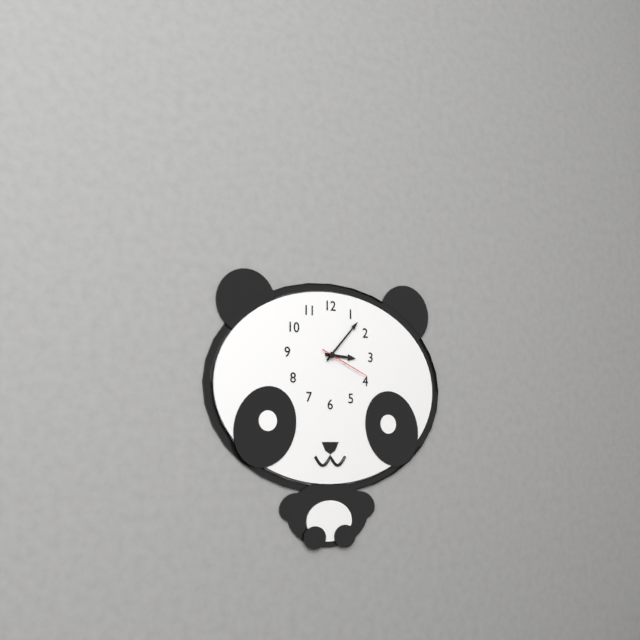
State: h=3 m=7 s=19
